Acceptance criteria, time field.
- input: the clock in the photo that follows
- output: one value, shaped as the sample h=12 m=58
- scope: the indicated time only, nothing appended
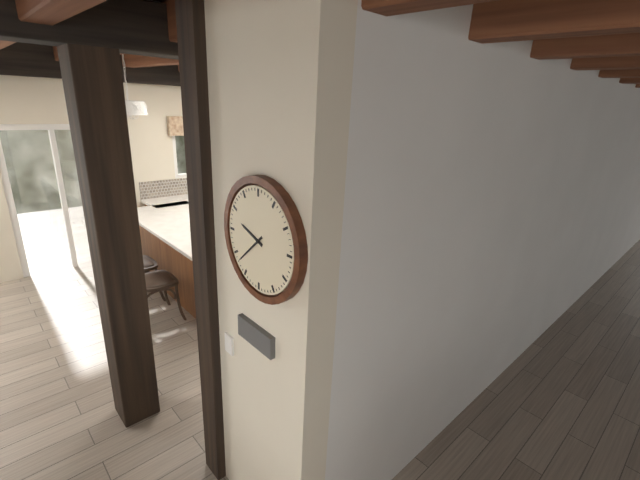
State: h=9 m=38
